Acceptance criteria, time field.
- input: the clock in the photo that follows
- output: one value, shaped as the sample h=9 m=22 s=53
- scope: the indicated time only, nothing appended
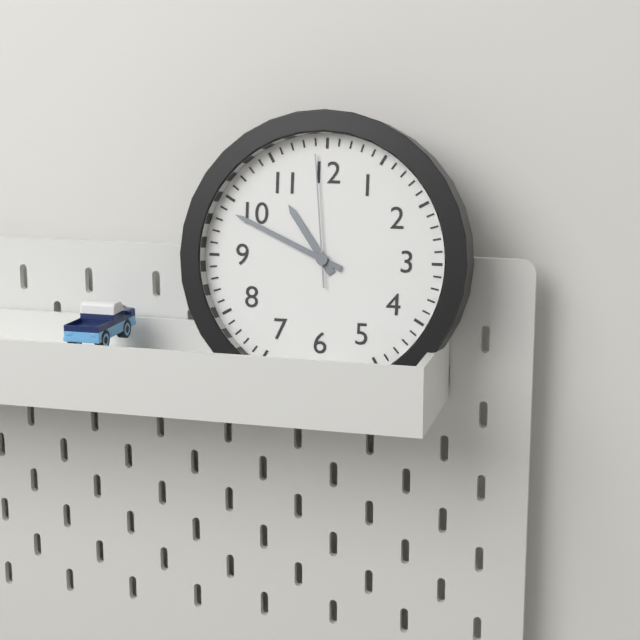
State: h=10 m=49 s=59
